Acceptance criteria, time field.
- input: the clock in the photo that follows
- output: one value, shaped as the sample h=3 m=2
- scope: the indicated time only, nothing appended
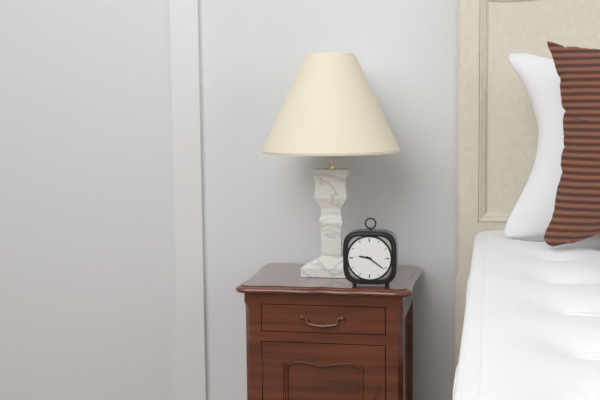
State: h=9 m=21
